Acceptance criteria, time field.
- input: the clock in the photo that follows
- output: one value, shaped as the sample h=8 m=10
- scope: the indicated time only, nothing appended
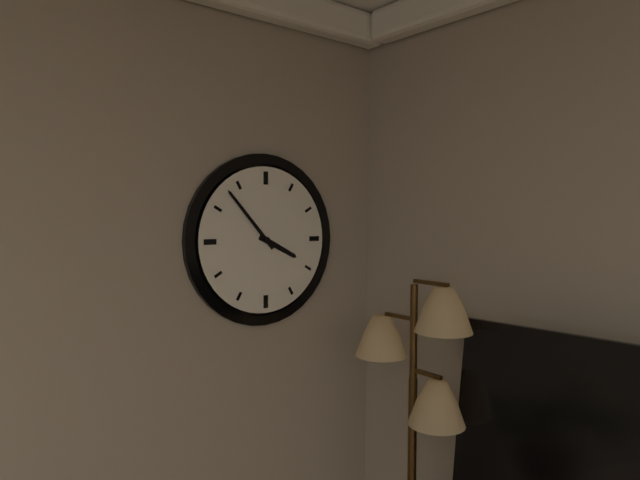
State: h=3 m=53
